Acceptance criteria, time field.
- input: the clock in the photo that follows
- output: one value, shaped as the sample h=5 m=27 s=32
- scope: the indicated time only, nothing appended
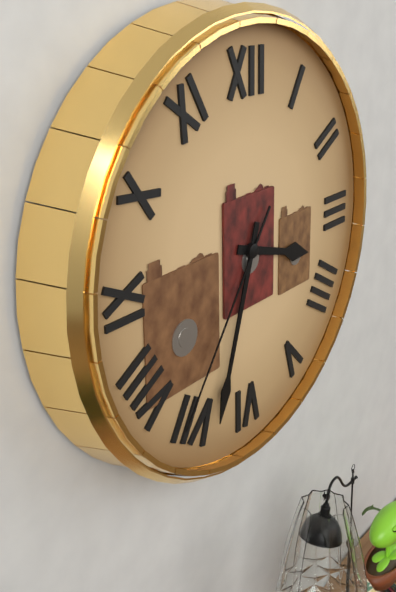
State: h=3 m=33 s=36
